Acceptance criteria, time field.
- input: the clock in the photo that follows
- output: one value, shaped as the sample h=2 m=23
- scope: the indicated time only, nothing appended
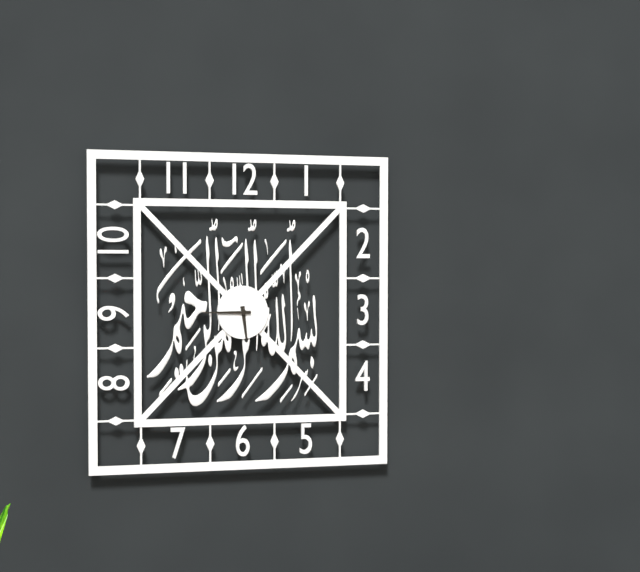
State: h=5 m=45
